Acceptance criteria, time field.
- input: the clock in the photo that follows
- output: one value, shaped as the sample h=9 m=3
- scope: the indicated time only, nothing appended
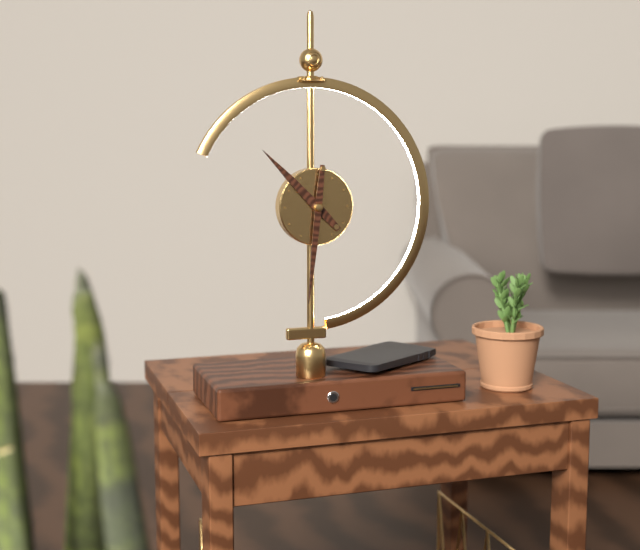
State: h=10 m=31
